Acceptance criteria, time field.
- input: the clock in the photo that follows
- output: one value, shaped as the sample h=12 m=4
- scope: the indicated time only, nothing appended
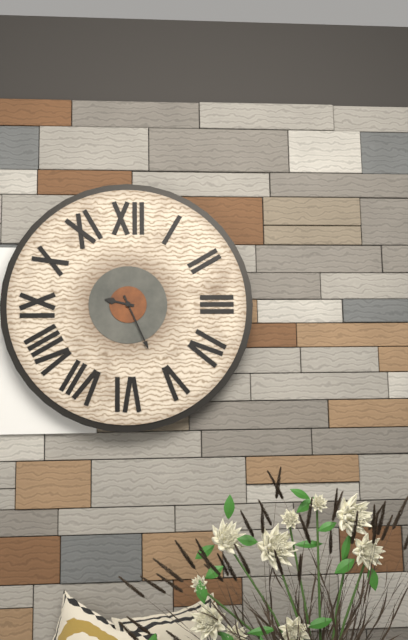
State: h=9 m=26
